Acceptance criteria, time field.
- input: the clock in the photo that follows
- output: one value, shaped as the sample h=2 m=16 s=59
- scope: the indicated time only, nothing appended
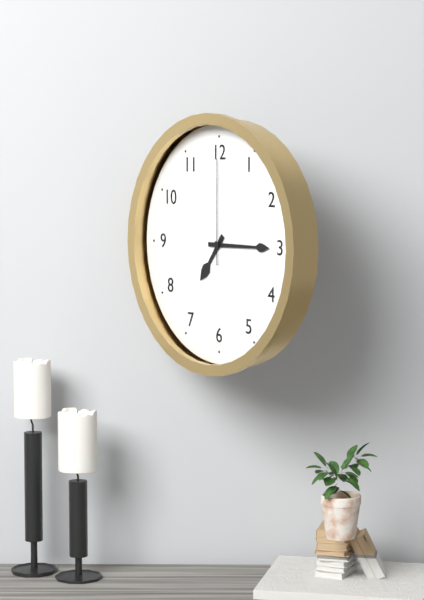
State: h=7 m=15 s=0
